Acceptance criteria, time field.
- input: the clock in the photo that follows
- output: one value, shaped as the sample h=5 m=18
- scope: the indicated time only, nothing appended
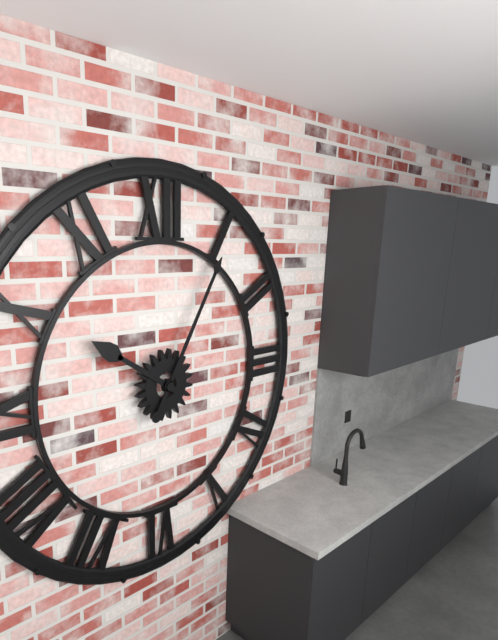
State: h=10 m=5
